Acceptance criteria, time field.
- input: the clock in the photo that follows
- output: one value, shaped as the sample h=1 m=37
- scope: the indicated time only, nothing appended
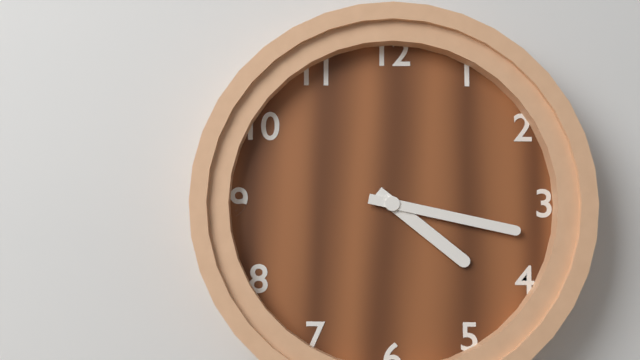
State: h=4 m=17
